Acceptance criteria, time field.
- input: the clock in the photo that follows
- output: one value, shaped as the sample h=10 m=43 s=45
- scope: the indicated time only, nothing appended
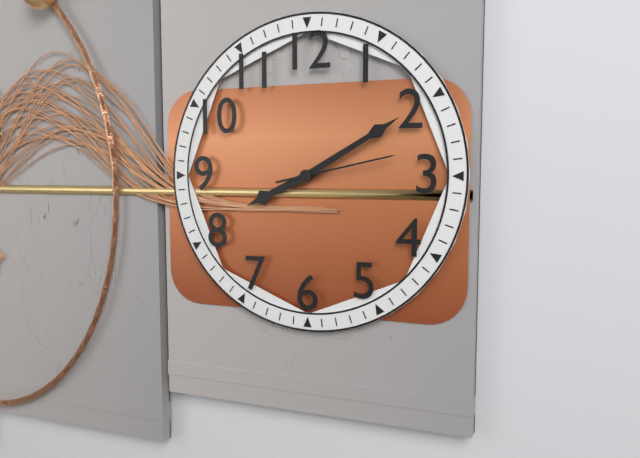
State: h=8 m=10 s=13
